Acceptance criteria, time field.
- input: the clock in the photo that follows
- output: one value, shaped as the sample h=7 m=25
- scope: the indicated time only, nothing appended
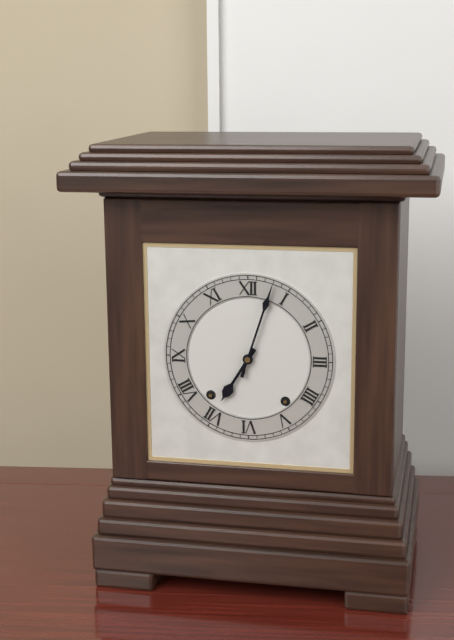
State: h=7 m=3
